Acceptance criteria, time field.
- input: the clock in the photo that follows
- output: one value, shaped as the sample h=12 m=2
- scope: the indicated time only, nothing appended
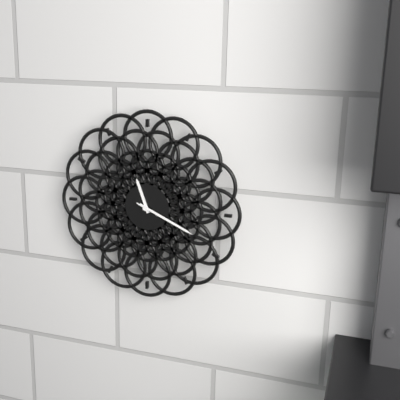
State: h=11 m=19
